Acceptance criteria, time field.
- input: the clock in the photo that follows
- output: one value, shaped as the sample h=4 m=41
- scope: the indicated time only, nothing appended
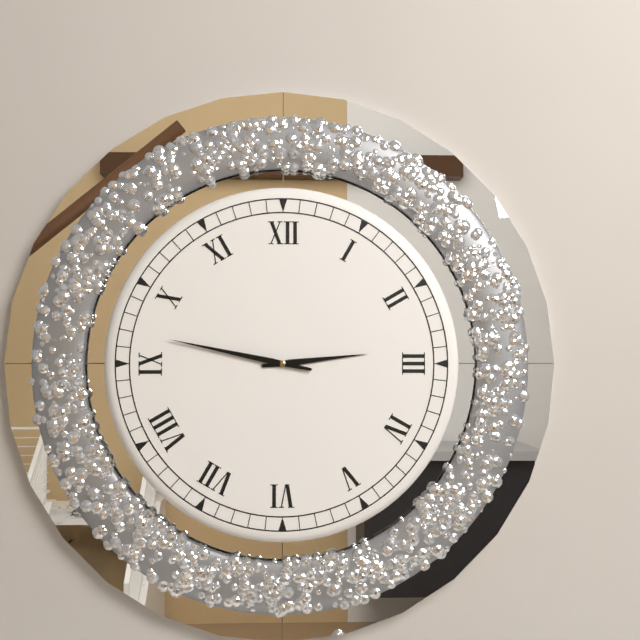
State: h=2 m=47
